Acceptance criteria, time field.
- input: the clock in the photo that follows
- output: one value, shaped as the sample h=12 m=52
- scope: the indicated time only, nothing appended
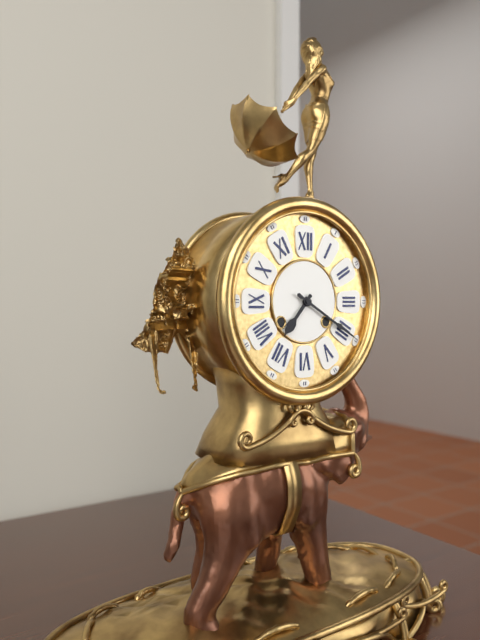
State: h=7 m=20
